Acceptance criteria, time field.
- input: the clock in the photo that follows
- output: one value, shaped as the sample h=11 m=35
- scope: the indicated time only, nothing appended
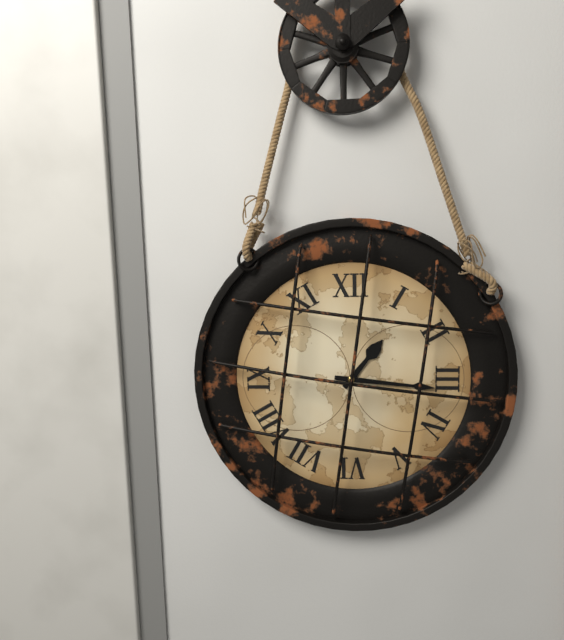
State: h=1 m=16
